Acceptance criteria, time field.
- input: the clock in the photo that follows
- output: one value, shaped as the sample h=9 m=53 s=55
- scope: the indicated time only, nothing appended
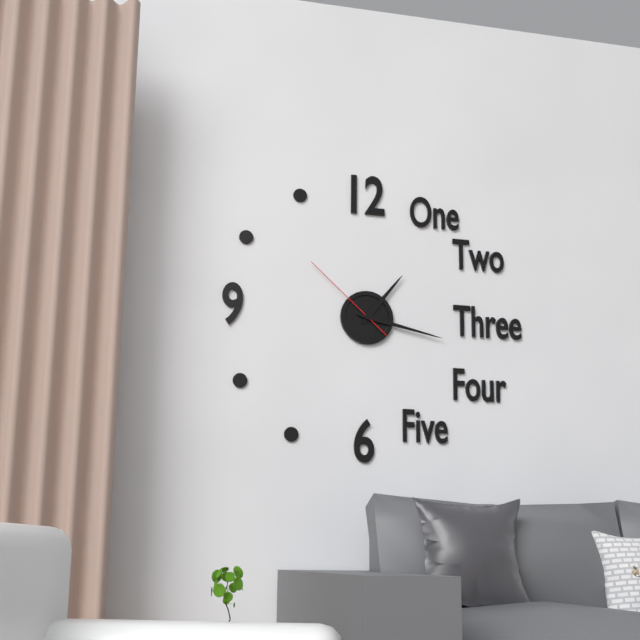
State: h=1 m=17 s=52
